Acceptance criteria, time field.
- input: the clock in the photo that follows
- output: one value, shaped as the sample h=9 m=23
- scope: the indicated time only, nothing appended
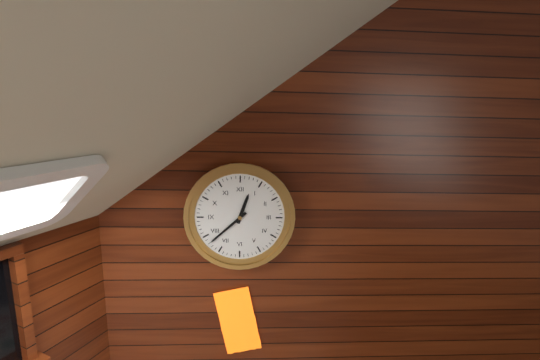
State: h=12 m=38
